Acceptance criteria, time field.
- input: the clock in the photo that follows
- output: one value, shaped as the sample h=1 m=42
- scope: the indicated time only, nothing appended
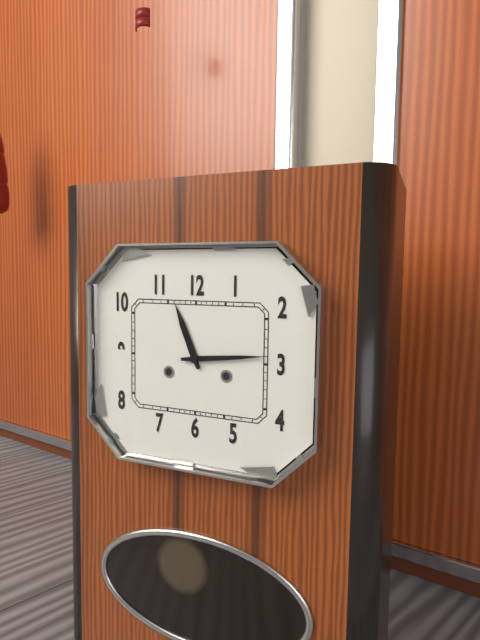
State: h=11 m=14
